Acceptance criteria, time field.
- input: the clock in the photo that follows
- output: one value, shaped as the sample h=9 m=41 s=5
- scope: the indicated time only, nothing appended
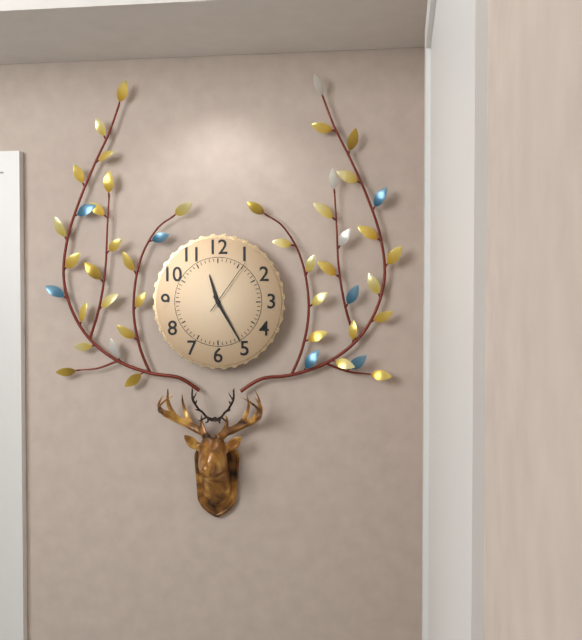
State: h=11 m=25 s=6
